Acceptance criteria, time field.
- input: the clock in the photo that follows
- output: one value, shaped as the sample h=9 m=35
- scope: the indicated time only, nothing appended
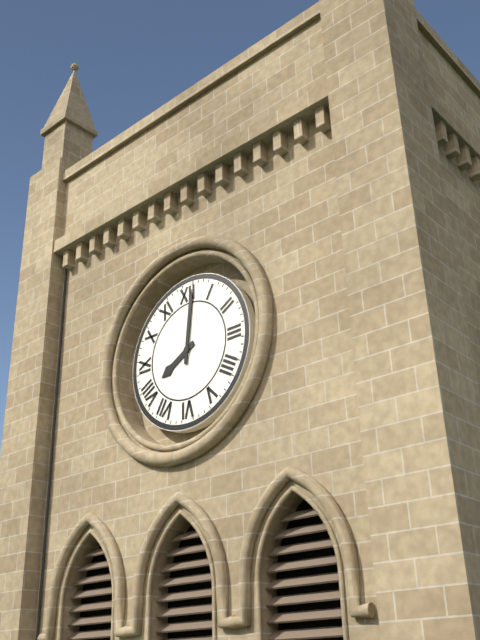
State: h=8 m=1
